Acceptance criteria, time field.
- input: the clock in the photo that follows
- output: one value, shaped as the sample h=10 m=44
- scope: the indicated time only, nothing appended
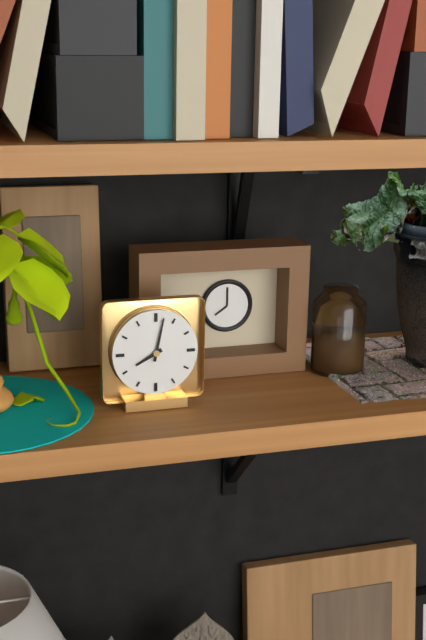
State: h=8 m=2
